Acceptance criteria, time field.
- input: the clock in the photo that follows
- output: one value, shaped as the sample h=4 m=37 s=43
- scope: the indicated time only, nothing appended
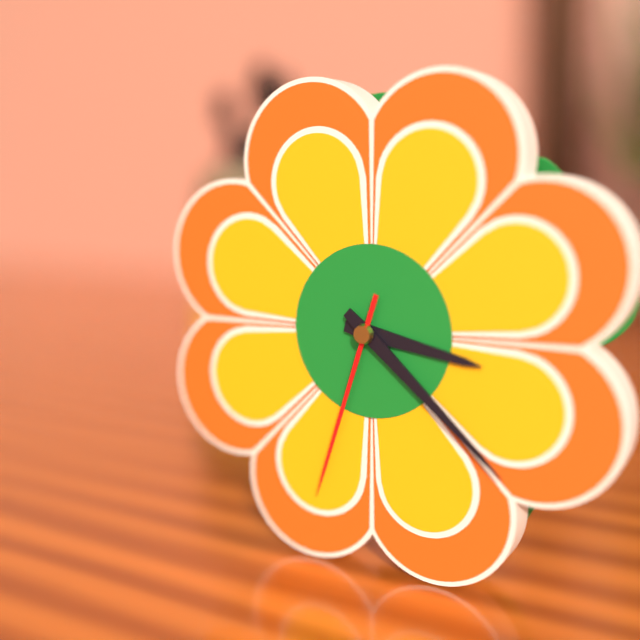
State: h=3 m=22 s=33
